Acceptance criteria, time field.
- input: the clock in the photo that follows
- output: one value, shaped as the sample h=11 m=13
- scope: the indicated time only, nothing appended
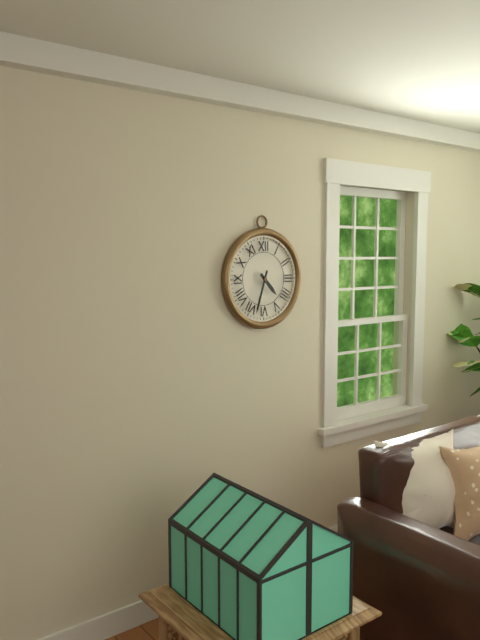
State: h=4 m=33
